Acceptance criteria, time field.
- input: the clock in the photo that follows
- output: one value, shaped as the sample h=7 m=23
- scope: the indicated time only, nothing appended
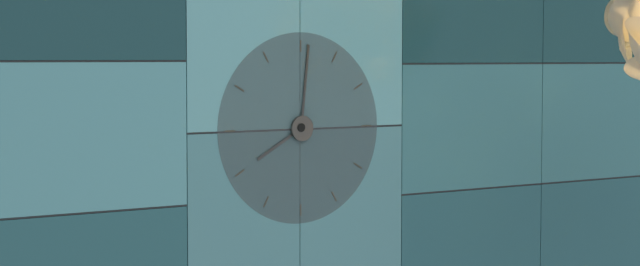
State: h=8 m=1
